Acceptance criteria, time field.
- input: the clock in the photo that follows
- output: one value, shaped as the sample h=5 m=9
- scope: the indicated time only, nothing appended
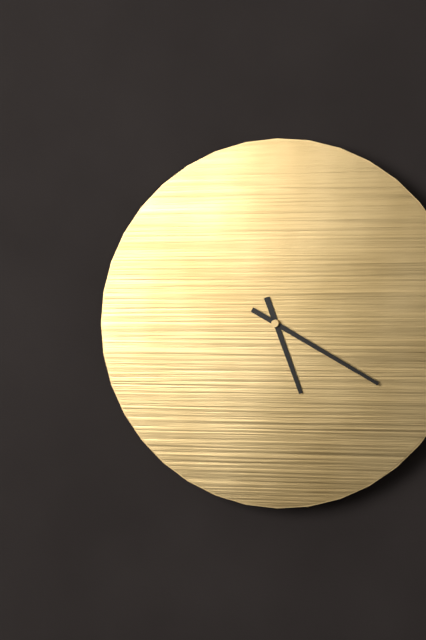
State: h=5 m=20
